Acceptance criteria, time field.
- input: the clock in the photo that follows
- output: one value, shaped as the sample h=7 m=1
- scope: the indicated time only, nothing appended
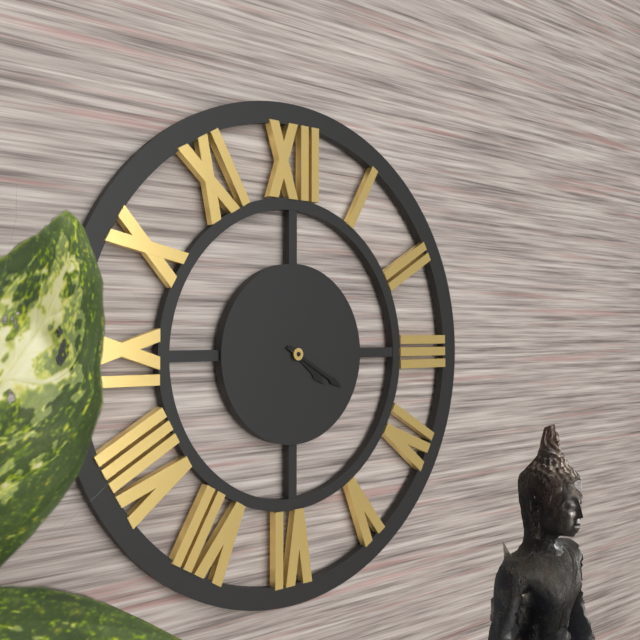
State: h=4 m=20
